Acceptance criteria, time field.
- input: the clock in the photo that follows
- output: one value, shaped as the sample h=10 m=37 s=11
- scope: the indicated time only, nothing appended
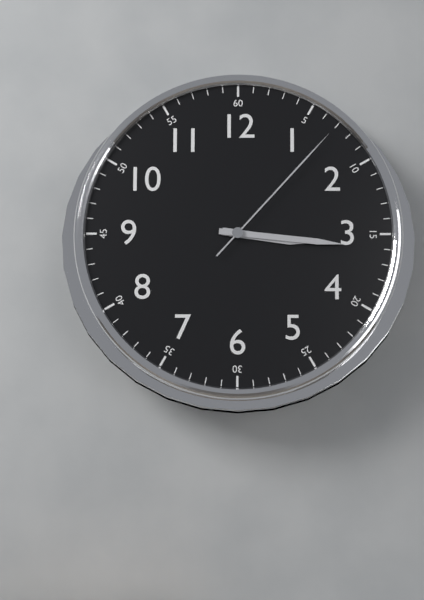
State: h=3 m=16 s=7
